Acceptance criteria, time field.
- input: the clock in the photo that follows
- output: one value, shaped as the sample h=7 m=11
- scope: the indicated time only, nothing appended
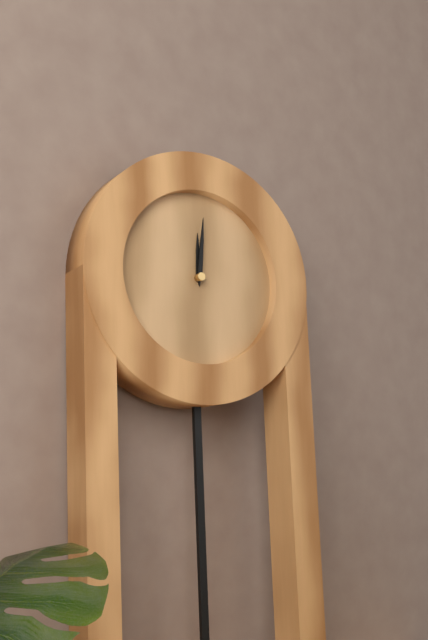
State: h=12 m=1
